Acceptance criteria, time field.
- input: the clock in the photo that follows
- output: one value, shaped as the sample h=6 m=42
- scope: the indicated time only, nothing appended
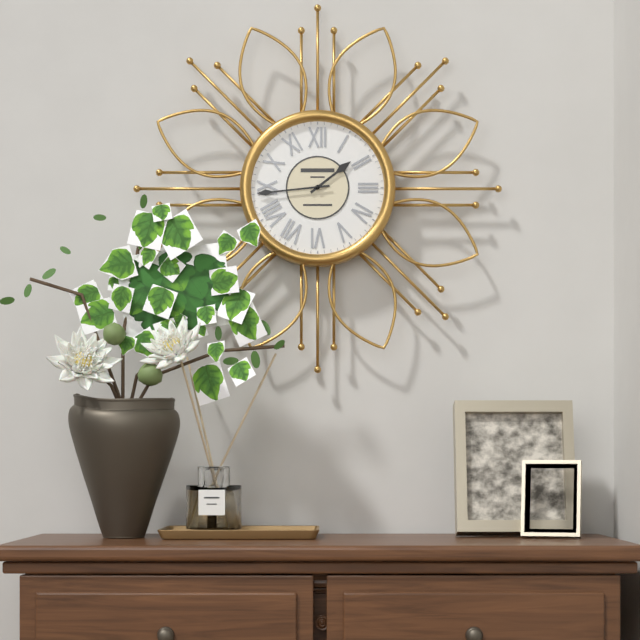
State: h=1 m=44
